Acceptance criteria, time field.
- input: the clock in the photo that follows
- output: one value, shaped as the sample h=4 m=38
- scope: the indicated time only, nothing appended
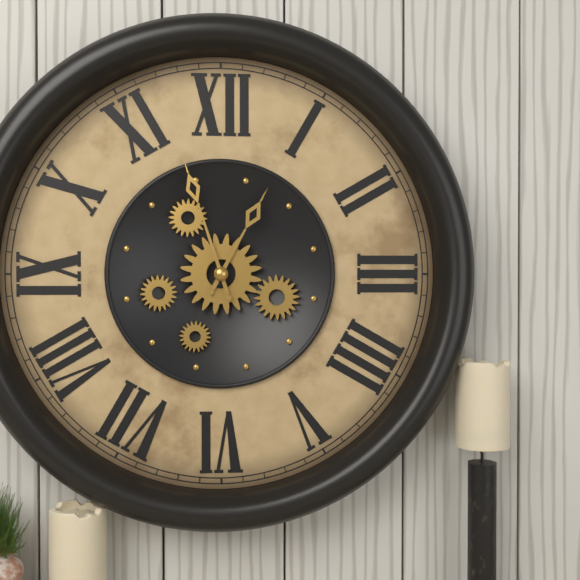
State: h=12 m=57
